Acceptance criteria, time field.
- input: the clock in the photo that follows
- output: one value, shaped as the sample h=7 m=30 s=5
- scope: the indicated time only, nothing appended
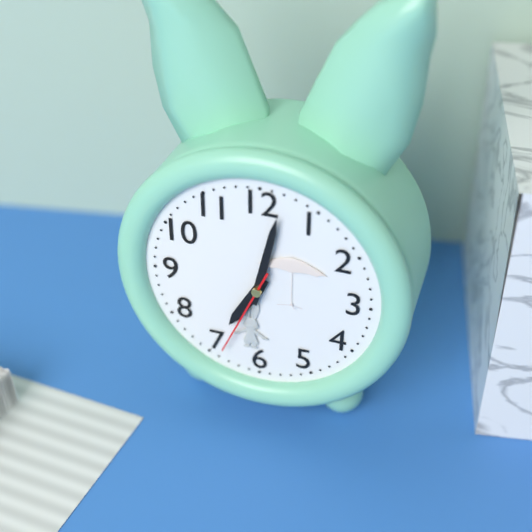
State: h=7 m=2 s=34
